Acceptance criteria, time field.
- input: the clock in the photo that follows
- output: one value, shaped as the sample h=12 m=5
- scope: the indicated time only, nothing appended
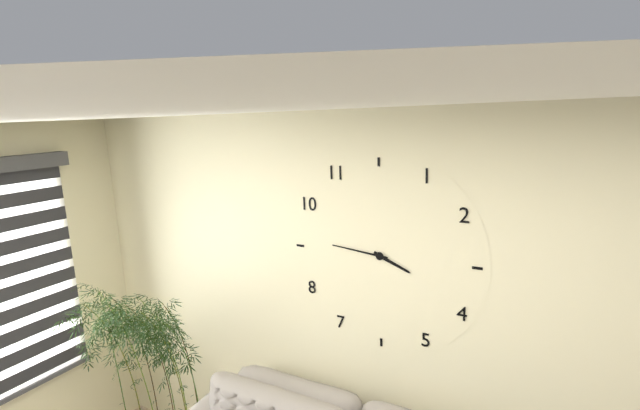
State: h=3 m=46
